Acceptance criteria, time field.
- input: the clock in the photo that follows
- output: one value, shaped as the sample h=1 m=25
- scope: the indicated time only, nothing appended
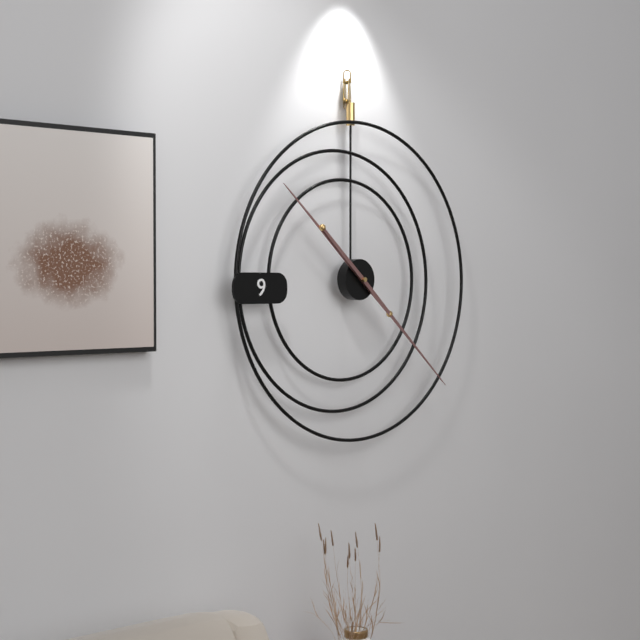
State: h=10 m=22
